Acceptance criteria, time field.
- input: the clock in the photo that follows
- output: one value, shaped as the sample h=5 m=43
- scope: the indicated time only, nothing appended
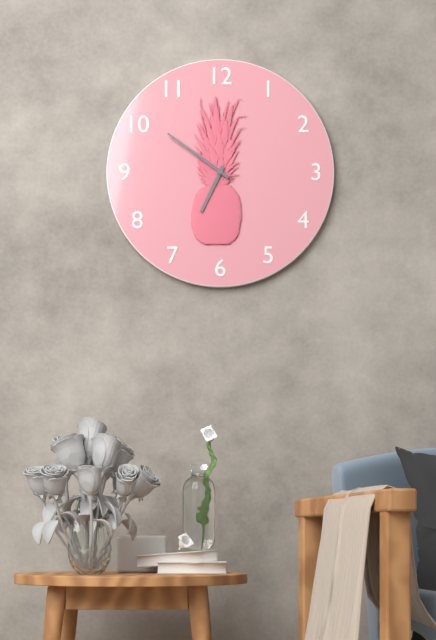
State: h=6 m=51
